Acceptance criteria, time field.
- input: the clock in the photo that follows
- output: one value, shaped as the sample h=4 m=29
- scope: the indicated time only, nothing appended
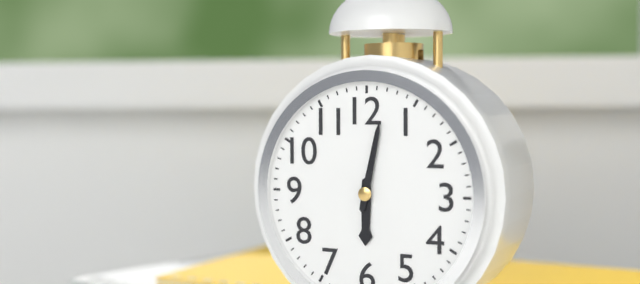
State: h=6 m=2
